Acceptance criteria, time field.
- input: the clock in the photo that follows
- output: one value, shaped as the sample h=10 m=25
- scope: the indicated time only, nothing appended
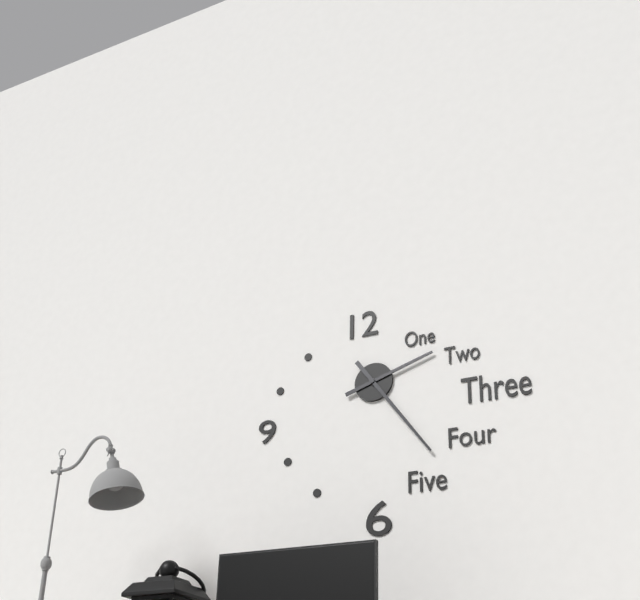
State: h=2 m=24
